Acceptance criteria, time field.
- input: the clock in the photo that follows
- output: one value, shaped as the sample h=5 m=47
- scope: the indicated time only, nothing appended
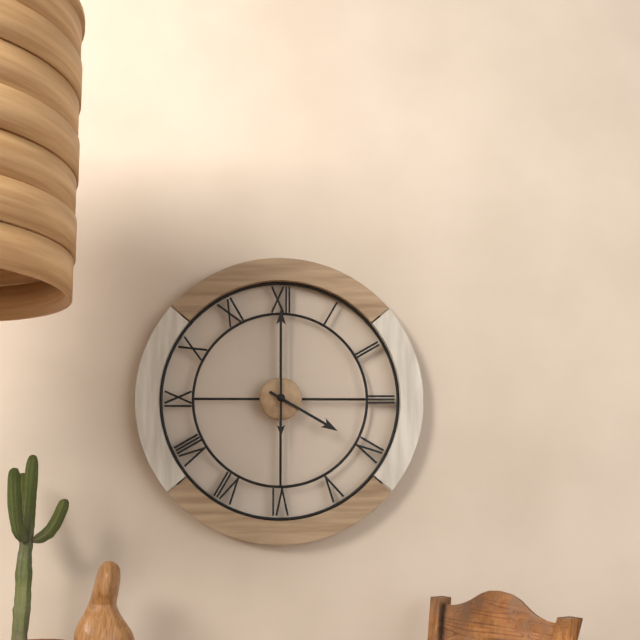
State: h=4 m=0
